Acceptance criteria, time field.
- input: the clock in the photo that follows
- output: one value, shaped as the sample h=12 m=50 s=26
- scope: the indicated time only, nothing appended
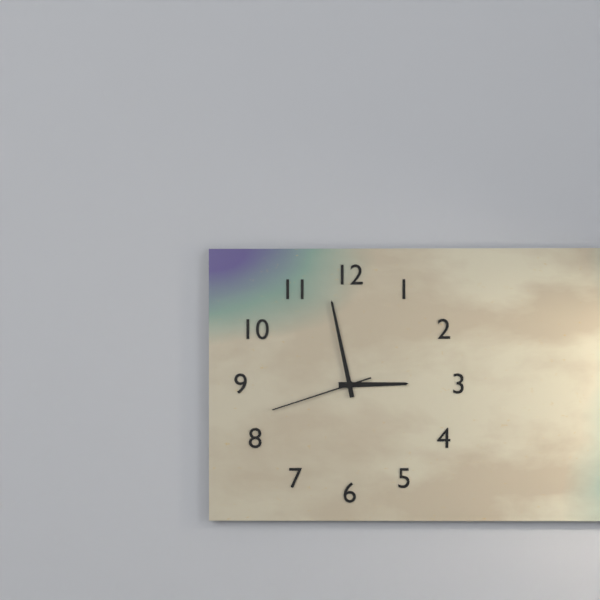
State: h=2 m=58 s=42
